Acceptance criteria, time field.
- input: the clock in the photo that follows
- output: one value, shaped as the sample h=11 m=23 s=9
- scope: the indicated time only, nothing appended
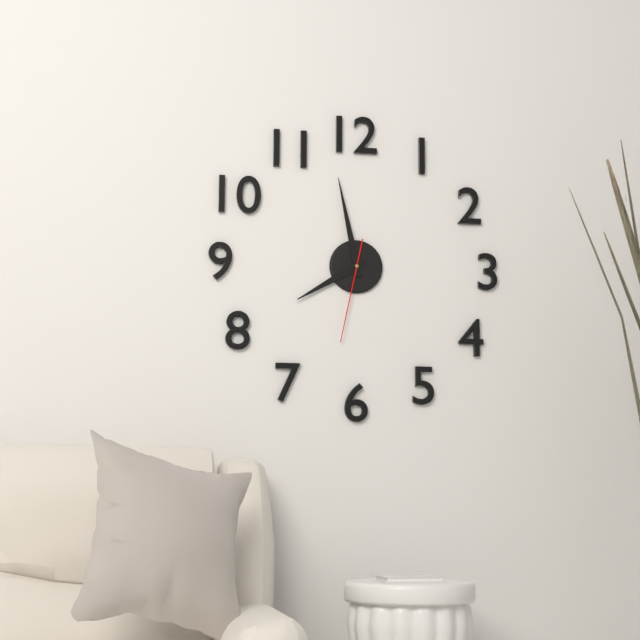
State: h=7 m=58 s=32
